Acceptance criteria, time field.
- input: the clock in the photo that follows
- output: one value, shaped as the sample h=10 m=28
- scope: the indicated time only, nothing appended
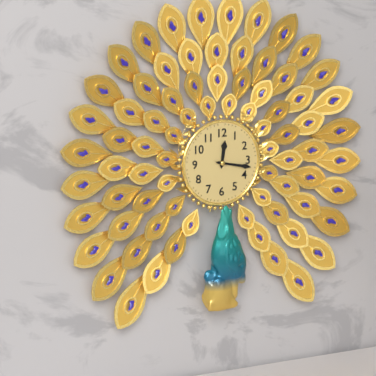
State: h=12 m=17
